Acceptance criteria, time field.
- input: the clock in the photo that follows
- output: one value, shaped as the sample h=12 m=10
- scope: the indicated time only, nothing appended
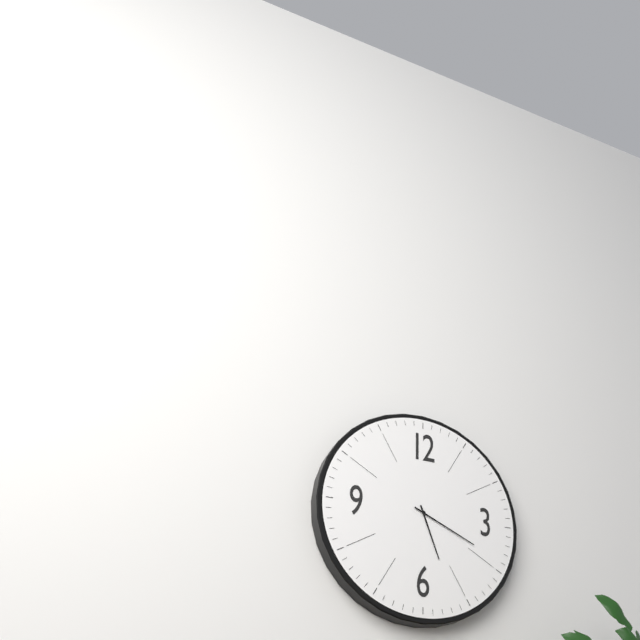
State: h=5 m=19
